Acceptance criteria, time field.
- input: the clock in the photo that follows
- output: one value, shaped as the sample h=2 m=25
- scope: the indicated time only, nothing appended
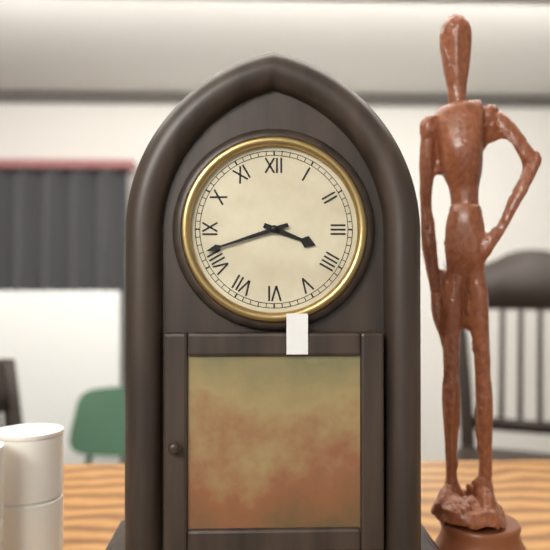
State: h=3 m=42
